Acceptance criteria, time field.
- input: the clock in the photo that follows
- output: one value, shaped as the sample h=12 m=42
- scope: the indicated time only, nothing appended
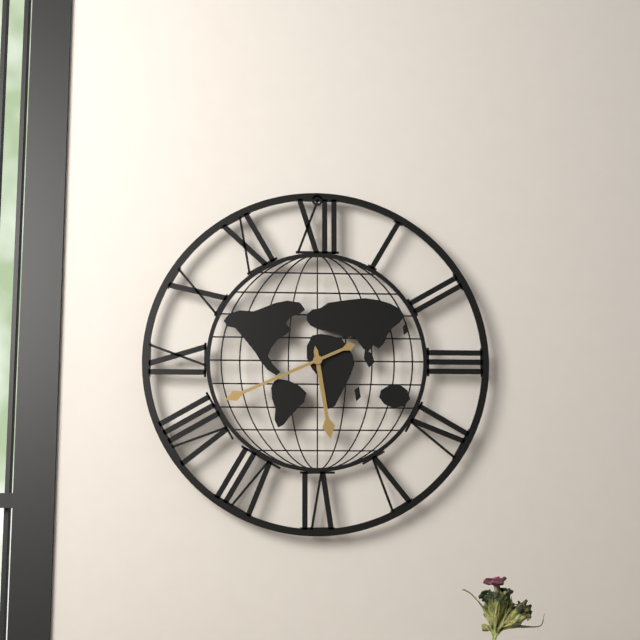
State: h=5 m=41
